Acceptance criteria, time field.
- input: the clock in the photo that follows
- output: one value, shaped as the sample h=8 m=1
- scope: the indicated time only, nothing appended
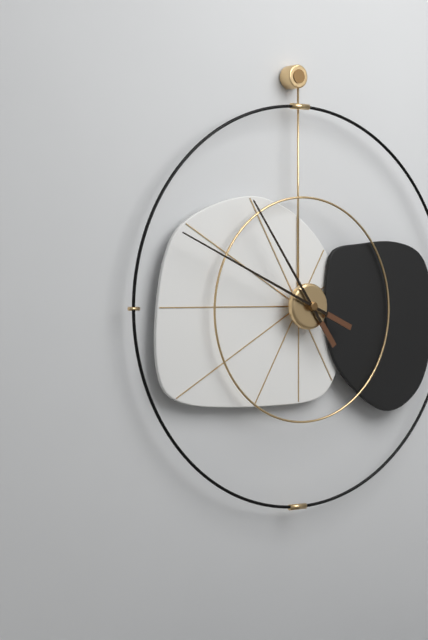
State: h=10 m=49
